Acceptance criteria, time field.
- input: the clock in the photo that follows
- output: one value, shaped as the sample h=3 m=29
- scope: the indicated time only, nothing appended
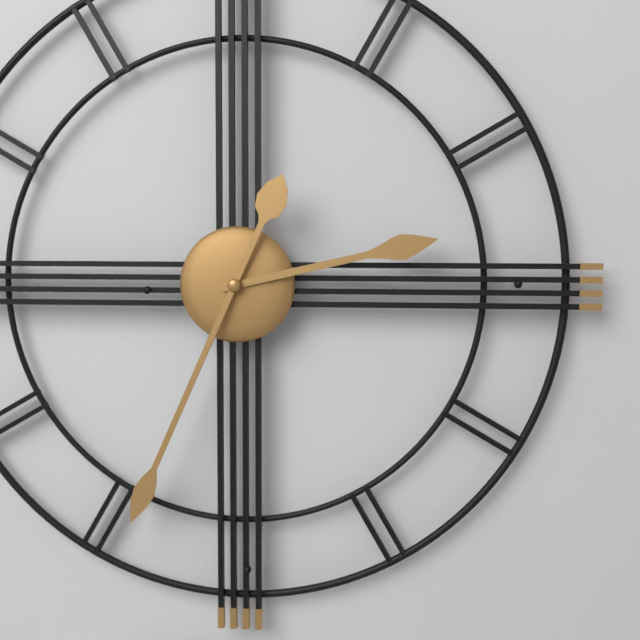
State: h=2 m=34
